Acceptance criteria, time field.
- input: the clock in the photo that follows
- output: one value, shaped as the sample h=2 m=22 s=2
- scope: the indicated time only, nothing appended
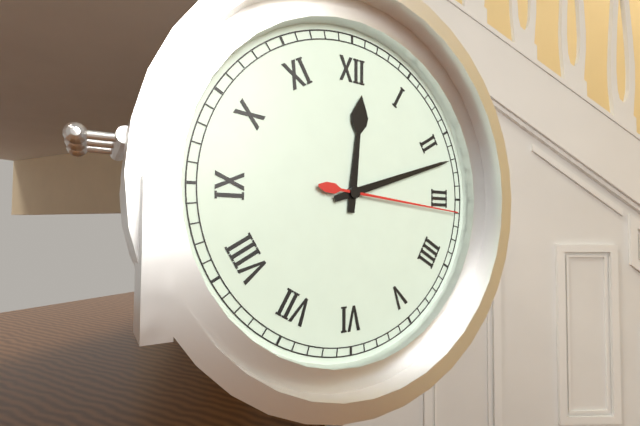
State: h=12 m=12 s=16
